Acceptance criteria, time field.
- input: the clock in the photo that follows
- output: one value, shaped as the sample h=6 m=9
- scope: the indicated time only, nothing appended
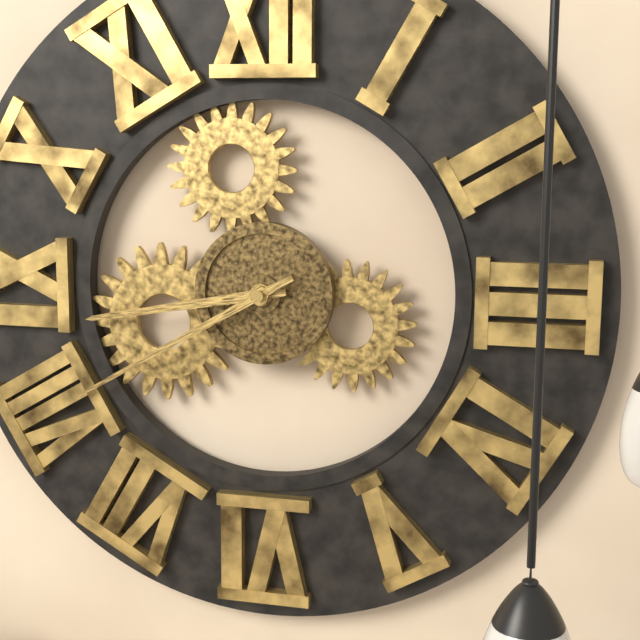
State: h=8 m=40
